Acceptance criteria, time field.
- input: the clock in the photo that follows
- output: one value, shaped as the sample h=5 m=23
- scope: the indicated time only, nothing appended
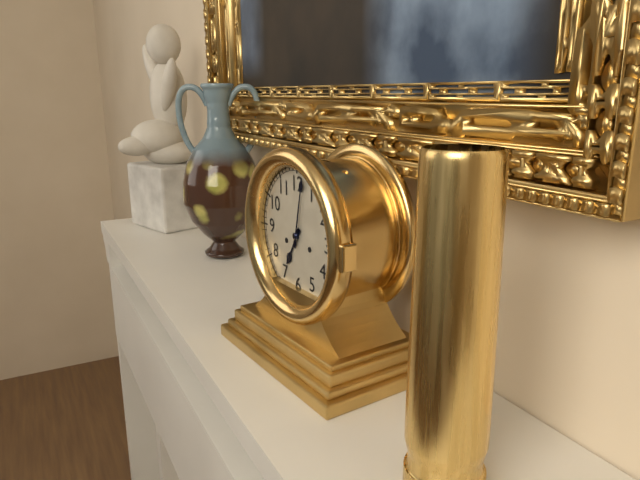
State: h=7 m=2
